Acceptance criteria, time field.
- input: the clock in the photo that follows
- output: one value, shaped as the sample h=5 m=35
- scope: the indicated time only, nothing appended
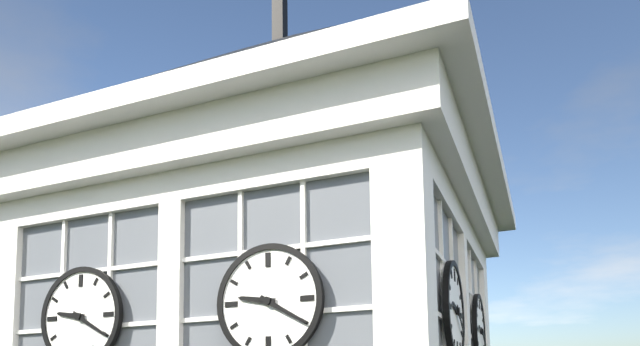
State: h=9 m=20
